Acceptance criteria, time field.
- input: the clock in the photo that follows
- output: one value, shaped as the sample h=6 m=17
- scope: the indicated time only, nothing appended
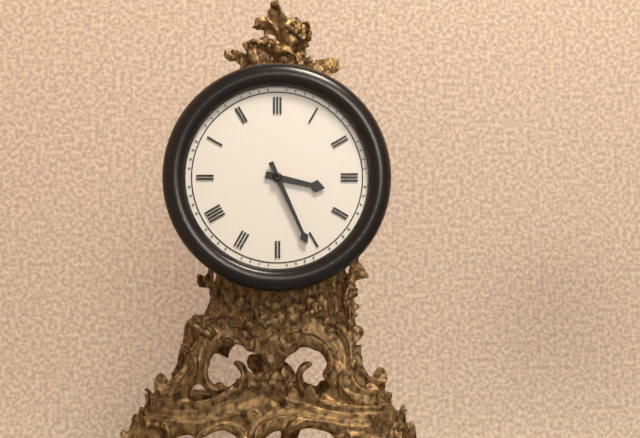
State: h=3 m=26
